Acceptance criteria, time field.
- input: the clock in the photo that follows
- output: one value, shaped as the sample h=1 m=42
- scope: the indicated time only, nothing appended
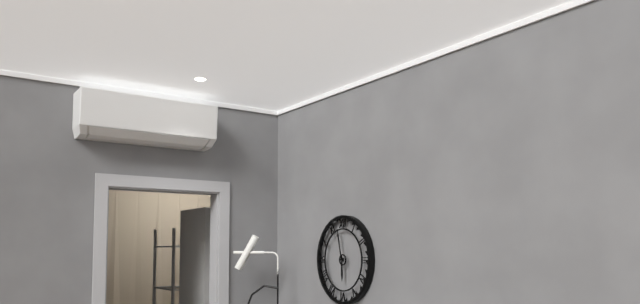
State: h=5 m=58
